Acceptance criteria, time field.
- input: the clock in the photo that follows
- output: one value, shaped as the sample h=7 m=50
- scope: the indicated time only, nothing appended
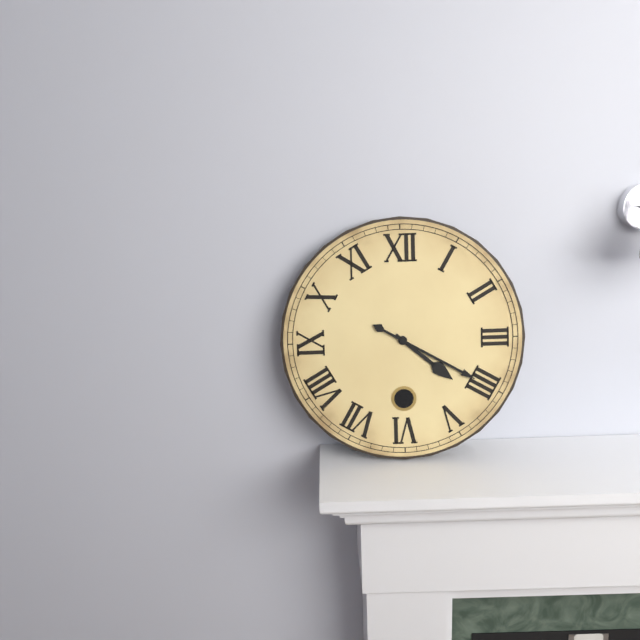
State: h=4 m=20
